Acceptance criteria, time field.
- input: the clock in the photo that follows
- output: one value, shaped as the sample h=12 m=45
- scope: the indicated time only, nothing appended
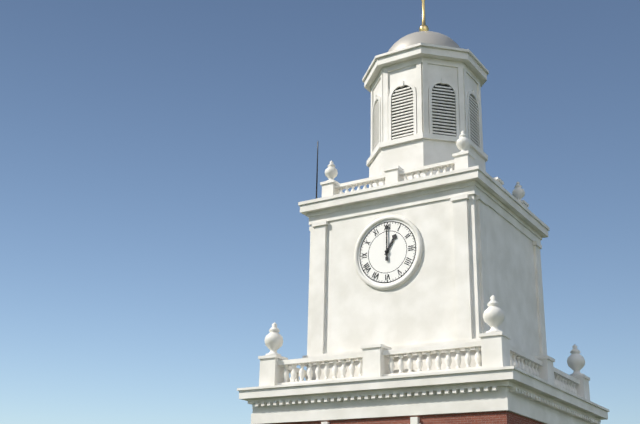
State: h=1 m=0
